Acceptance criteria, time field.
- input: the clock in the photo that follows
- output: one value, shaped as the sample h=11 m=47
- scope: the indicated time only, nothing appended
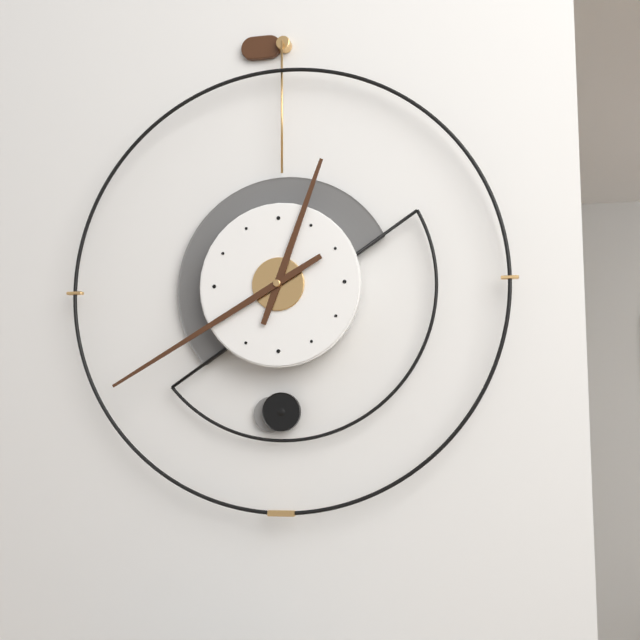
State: h=12 m=40
